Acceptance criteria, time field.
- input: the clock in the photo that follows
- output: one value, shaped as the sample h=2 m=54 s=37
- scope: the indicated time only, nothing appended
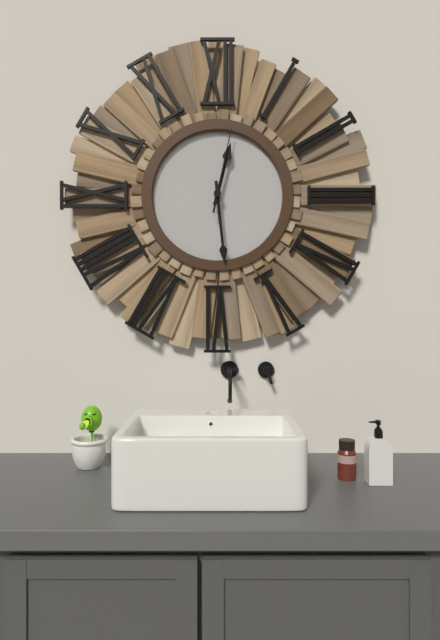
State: h=12 m=29 s=2
